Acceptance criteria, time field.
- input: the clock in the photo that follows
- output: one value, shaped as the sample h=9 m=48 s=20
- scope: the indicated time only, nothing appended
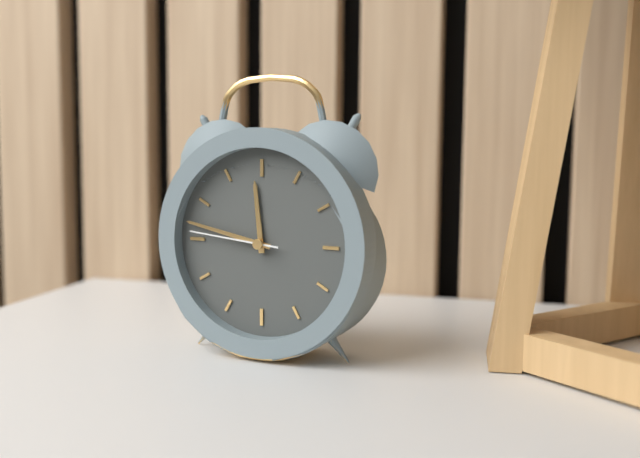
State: h=11 m=47 s=46
